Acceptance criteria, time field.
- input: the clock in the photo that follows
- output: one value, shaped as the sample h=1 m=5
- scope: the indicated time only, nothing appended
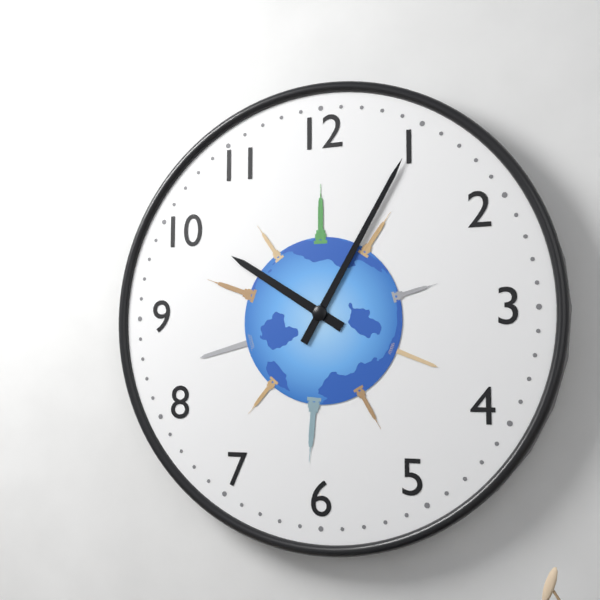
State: h=10 m=5
